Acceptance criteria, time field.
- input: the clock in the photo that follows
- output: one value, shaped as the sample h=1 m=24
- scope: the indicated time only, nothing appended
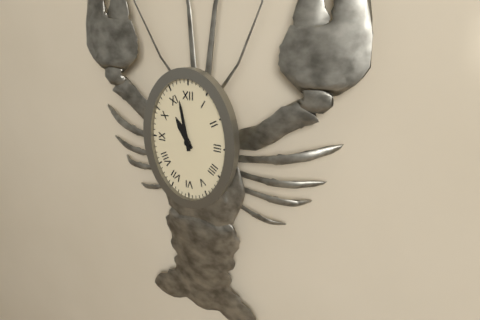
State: h=10 m=58
